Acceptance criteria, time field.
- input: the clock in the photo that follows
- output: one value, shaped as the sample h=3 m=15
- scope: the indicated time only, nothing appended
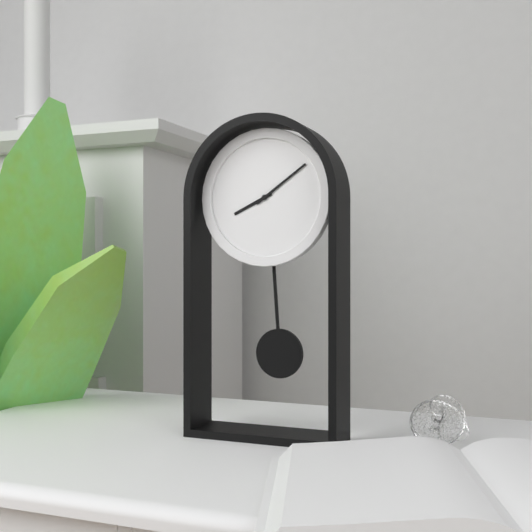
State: h=8 m=9
